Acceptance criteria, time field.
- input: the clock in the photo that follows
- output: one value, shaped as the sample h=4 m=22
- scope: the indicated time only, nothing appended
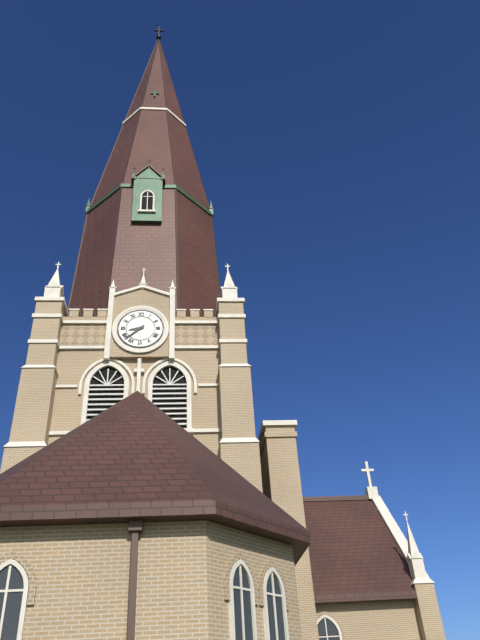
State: h=8 m=38
